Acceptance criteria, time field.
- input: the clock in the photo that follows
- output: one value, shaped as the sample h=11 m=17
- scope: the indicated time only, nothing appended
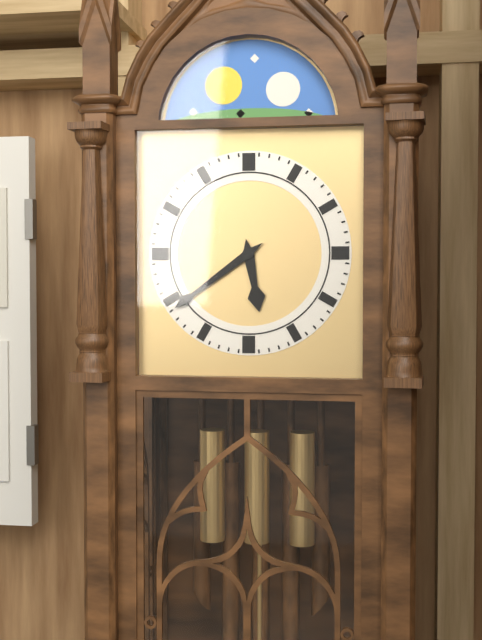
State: h=5 m=39
